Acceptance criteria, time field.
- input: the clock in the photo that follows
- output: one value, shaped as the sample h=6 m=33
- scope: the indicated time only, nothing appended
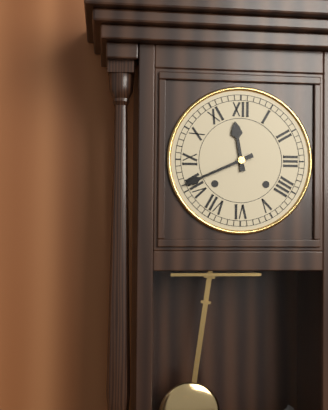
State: h=11 m=41
